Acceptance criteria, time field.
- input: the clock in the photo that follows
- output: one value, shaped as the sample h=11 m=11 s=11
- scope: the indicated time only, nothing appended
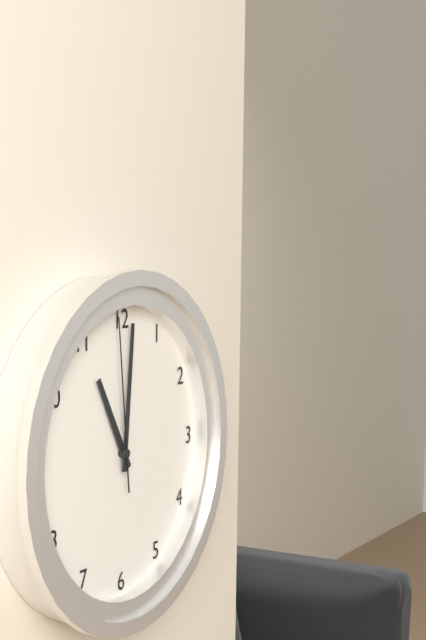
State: h=11 m=1 s=59
